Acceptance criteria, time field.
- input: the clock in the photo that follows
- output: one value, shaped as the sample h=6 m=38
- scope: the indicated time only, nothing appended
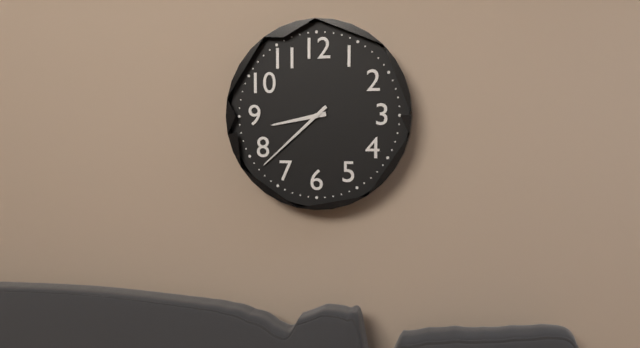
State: h=8 m=38
